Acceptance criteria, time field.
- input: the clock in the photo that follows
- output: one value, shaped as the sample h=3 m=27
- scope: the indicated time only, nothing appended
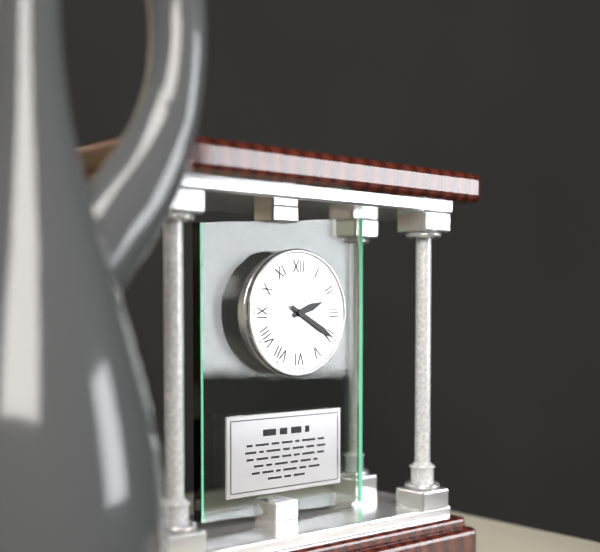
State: h=2 m=20
